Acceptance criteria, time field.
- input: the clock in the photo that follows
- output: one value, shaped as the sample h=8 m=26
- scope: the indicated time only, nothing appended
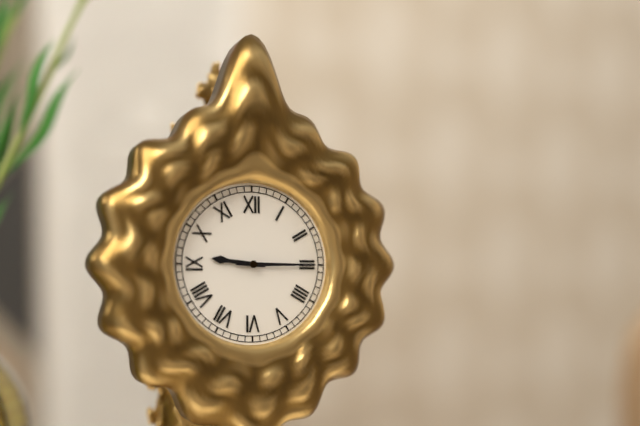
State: h=9 m=15
